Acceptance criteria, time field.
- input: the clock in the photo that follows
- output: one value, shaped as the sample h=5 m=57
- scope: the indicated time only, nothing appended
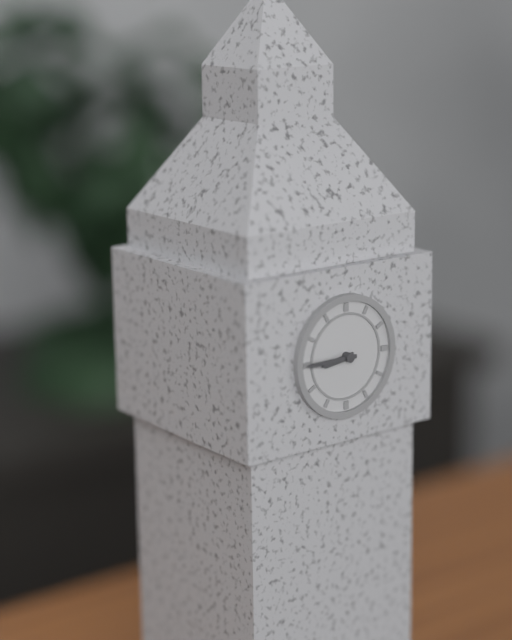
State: h=8 m=45
